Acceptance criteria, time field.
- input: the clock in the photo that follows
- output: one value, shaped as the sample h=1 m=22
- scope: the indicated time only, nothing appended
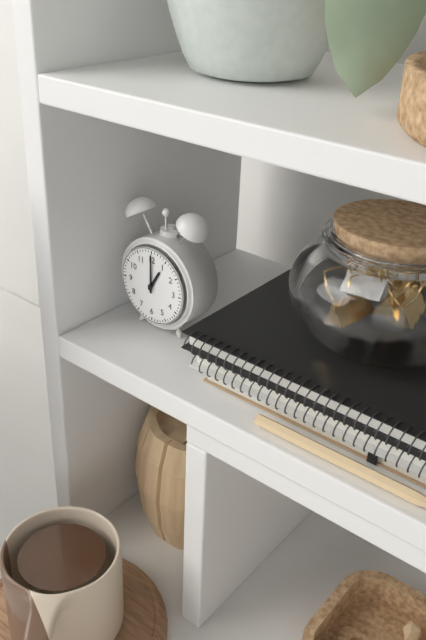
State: h=1 m=0
